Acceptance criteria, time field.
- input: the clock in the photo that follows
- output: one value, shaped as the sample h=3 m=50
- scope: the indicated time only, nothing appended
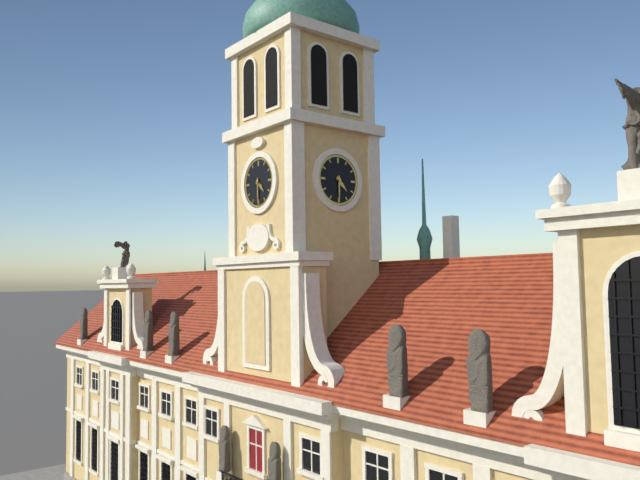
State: h=4 m=30
